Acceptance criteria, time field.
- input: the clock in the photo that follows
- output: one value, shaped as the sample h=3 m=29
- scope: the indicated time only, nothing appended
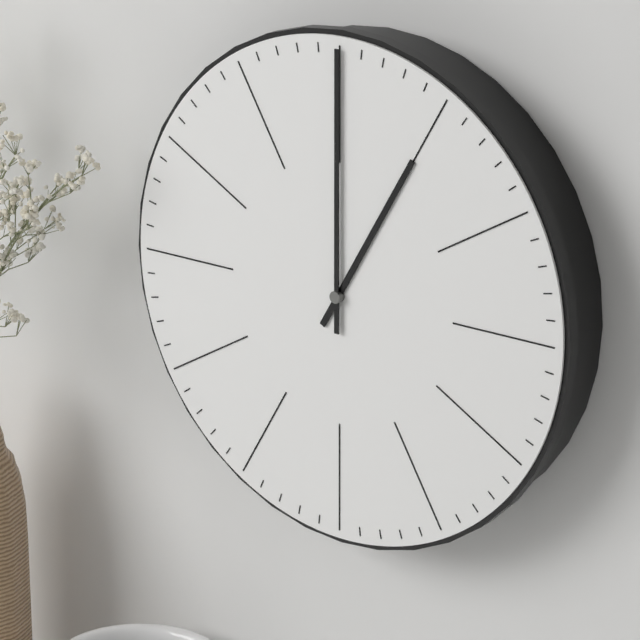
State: h=1 m=0
